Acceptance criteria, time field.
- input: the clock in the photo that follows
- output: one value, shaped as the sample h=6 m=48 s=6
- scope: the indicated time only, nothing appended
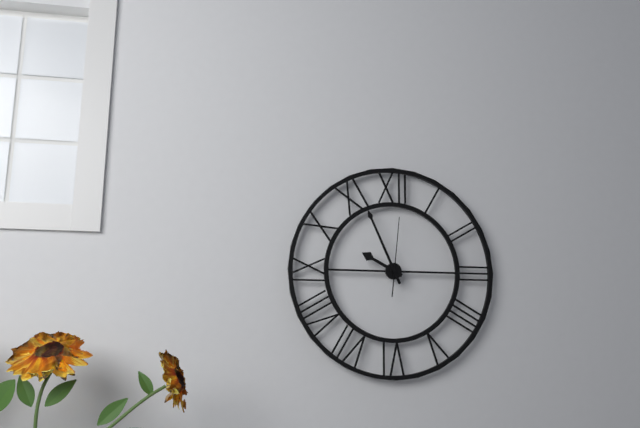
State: h=9 m=56 s=1
